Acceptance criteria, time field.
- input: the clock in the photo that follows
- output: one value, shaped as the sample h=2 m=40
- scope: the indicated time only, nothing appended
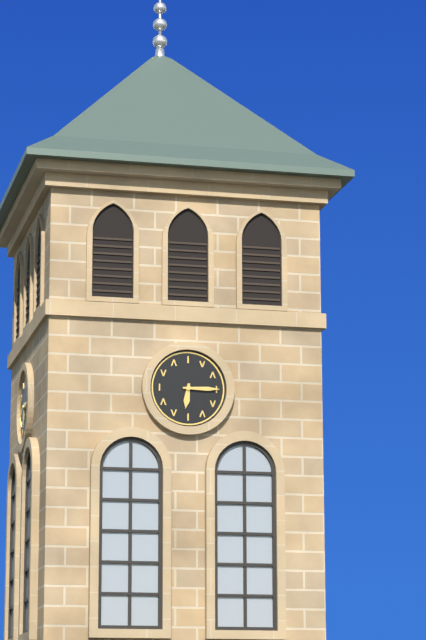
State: h=6 m=15
